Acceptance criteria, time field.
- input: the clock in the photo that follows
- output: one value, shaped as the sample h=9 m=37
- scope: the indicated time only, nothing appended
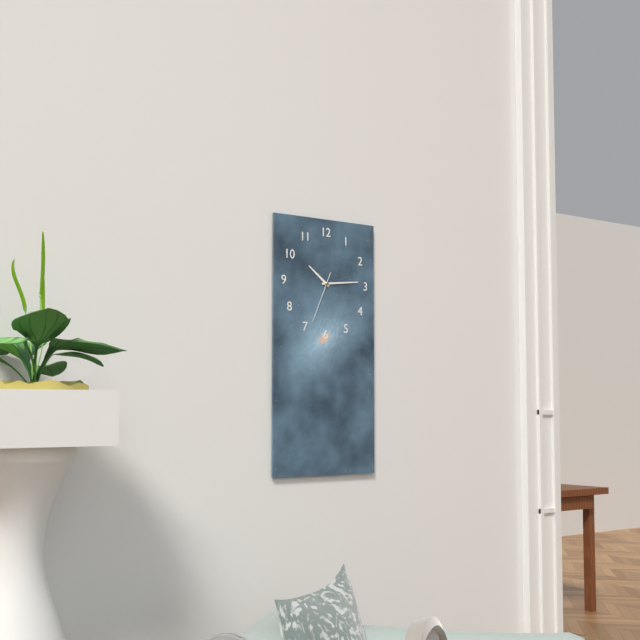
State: h=10 m=14
